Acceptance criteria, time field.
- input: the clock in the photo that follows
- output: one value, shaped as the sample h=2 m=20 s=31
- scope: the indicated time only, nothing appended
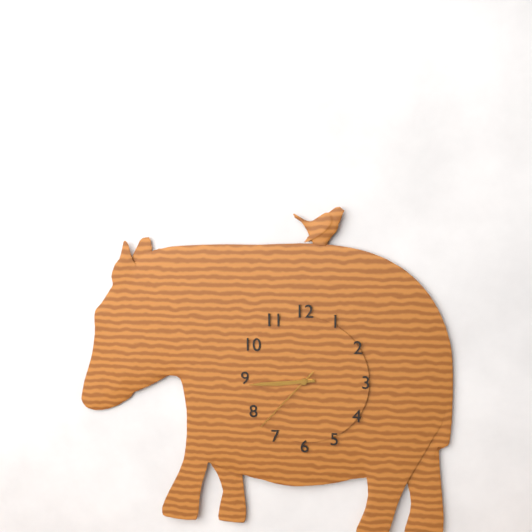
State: h=8 m=44 s=37
